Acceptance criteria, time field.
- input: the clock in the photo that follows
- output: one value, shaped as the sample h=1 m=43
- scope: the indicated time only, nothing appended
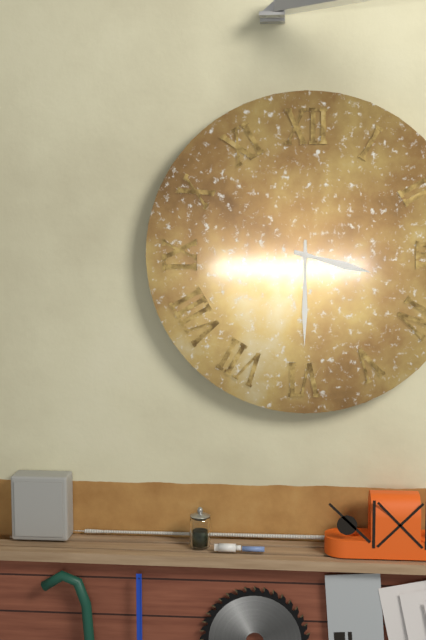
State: h=3 m=30
